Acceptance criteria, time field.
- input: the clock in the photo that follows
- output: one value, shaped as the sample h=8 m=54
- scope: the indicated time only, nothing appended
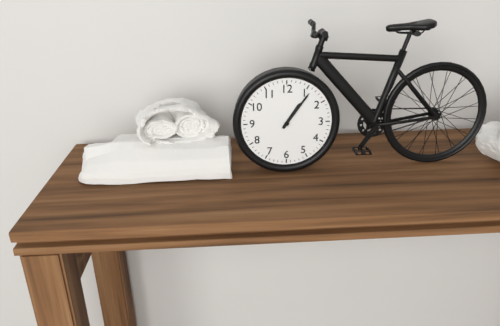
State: h=1 m=6
